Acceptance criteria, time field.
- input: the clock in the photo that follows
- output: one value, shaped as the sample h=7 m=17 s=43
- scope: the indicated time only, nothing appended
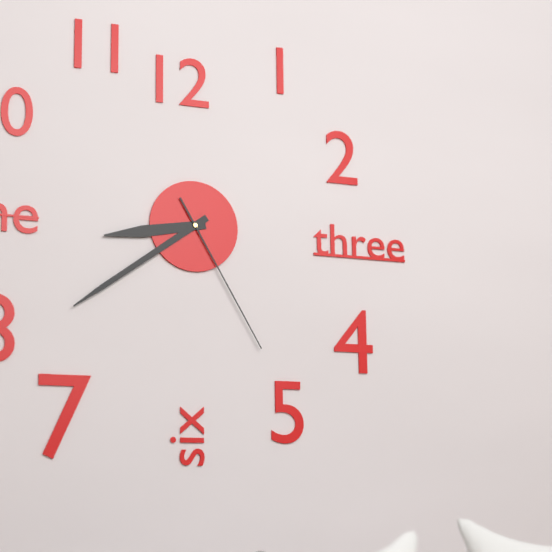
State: h=8 m=39 s=25
